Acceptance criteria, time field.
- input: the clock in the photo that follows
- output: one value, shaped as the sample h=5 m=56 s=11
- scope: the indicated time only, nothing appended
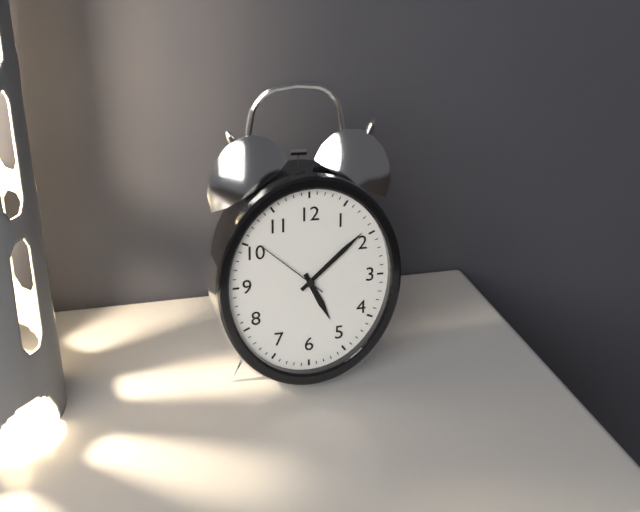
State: h=5 m=8 s=52
